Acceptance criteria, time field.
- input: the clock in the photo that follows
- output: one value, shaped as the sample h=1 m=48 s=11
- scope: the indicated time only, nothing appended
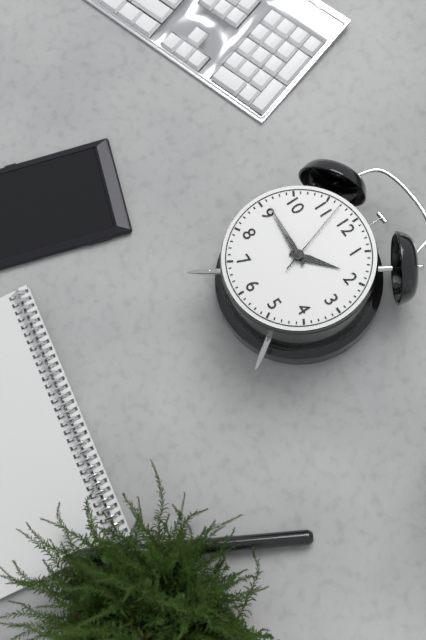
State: h=1 m=46 s=57
